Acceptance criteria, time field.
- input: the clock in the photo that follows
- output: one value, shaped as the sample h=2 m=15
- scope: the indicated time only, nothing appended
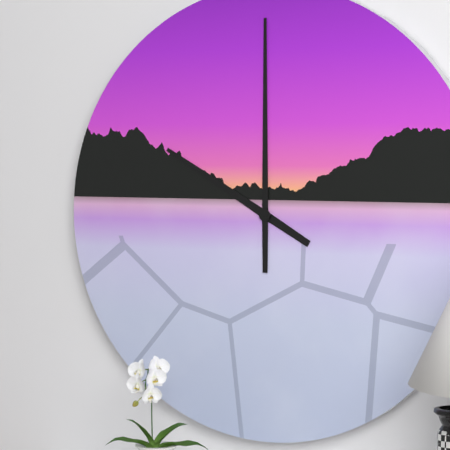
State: h=10 m=0
